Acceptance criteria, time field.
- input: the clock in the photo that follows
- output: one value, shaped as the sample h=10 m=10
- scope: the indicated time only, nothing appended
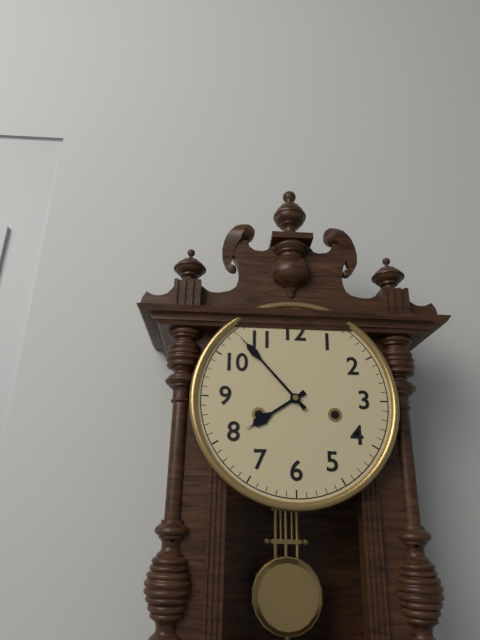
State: h=7 m=53
